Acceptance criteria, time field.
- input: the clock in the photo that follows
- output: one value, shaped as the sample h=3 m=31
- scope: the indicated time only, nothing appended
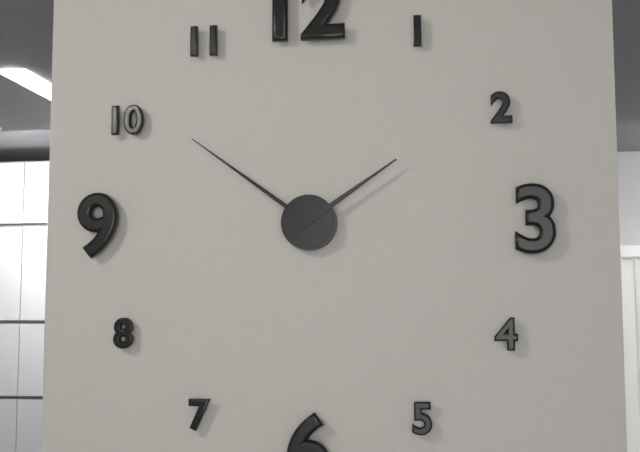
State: h=1 m=51
